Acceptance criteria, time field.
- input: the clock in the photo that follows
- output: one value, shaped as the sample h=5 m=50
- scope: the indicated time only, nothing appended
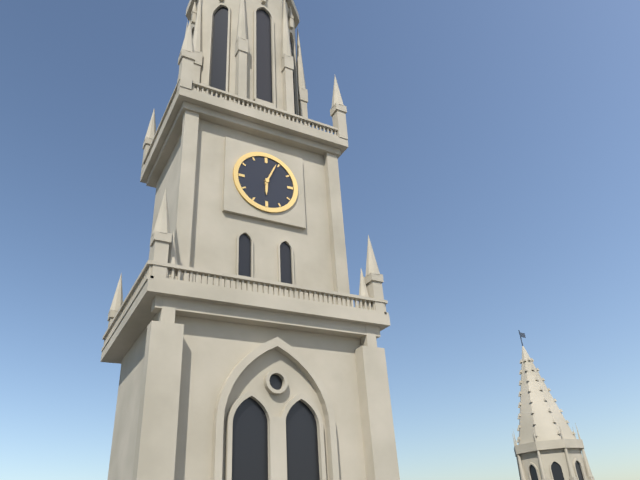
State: h=6 m=4
